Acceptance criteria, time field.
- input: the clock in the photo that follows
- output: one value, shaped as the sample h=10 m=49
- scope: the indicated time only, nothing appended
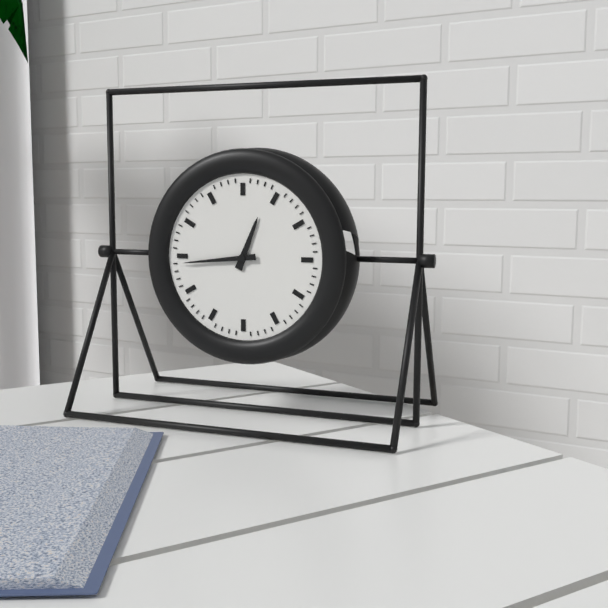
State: h=12 m=44
